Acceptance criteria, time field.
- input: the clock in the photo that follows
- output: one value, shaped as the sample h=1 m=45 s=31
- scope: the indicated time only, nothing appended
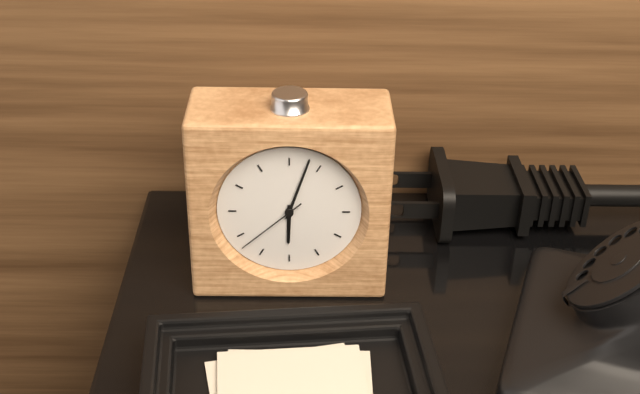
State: h=6 m=3 s=38
